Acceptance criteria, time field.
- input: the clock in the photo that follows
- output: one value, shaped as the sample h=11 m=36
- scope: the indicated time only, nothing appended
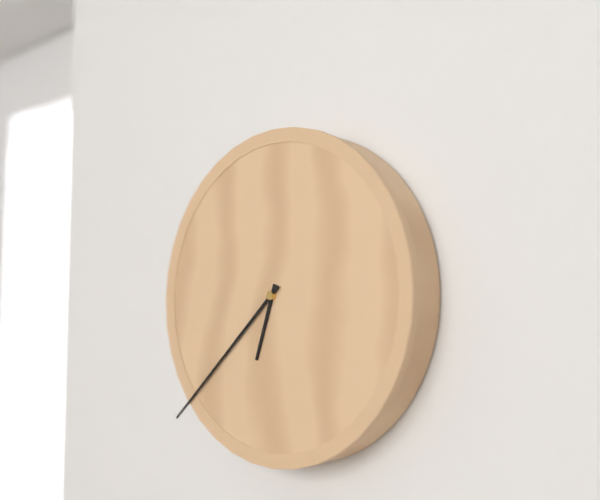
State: h=6 m=38
